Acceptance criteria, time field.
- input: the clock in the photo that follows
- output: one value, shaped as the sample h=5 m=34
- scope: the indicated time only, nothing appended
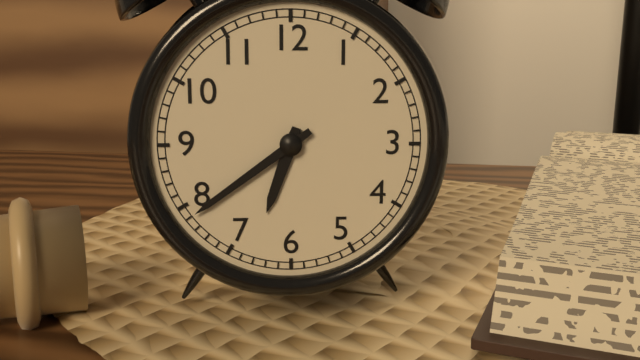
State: h=6 m=39
